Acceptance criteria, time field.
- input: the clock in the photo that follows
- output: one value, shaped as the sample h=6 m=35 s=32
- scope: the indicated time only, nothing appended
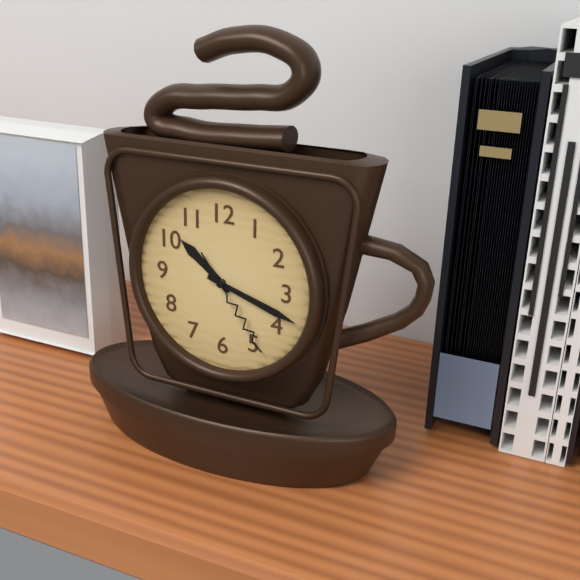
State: h=10 m=18 s=24
